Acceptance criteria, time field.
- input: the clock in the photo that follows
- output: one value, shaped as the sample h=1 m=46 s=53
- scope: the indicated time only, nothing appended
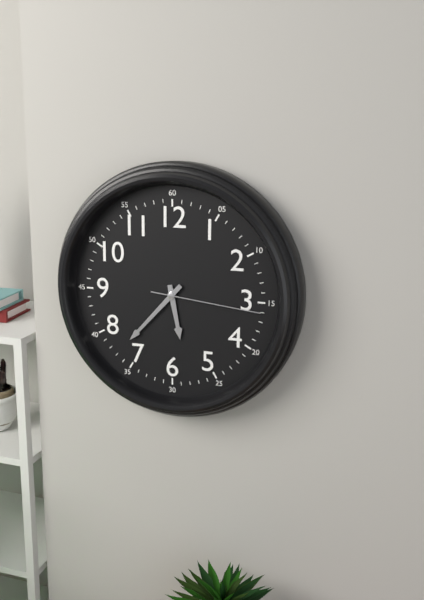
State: h=5 m=37 s=16
